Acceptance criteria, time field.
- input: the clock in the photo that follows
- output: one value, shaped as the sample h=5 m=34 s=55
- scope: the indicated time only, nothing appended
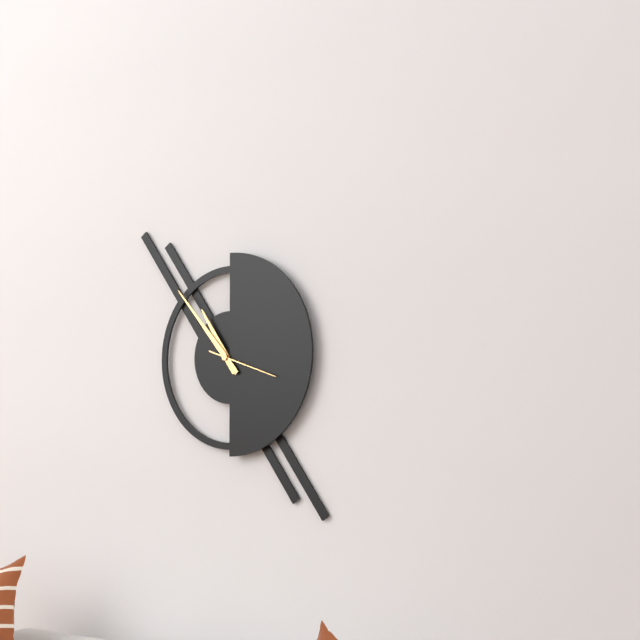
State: h=10 m=53 s=18
